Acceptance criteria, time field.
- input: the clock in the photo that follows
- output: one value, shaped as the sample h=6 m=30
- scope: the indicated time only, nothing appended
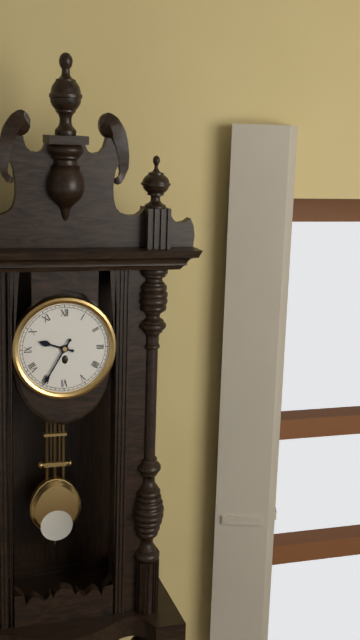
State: h=9 m=35
